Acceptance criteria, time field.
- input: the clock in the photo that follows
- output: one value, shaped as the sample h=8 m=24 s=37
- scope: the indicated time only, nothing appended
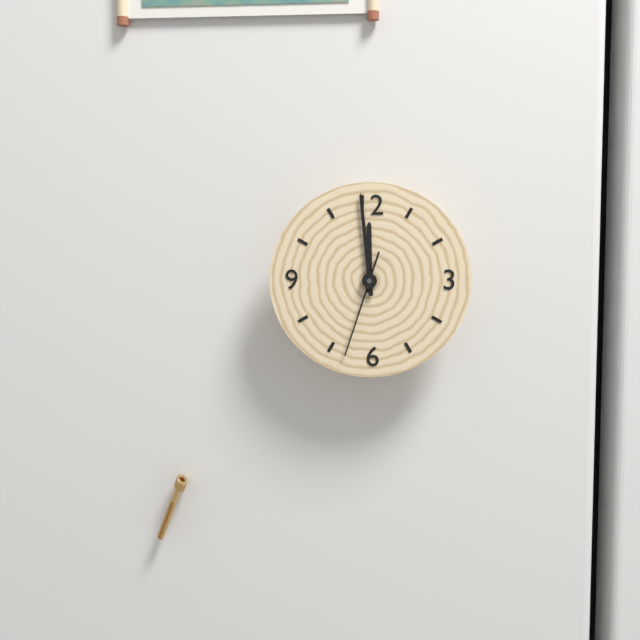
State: h=11 m=59 s=33
